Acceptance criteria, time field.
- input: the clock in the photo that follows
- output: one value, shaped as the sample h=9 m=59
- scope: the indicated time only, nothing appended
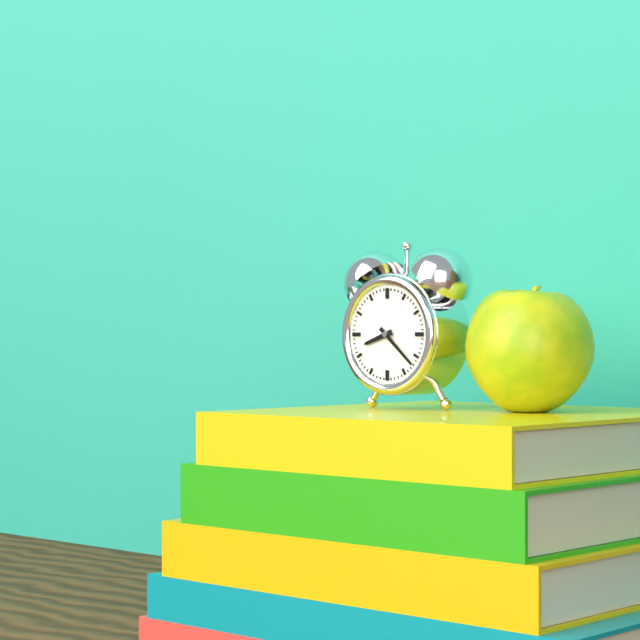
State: h=8 m=22
